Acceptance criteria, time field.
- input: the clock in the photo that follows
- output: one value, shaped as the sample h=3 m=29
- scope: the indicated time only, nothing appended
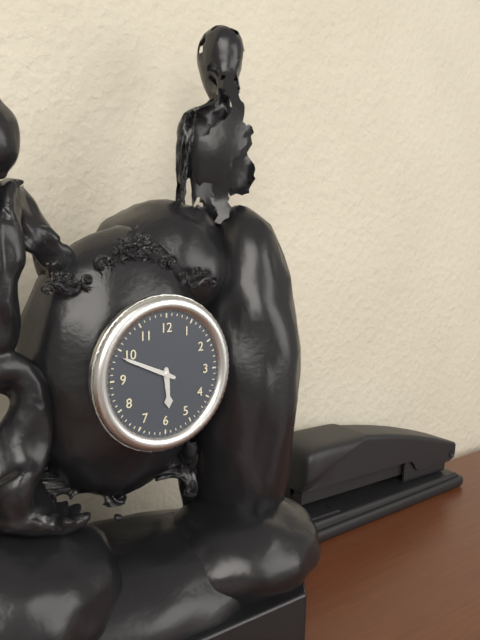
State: h=5 m=49
